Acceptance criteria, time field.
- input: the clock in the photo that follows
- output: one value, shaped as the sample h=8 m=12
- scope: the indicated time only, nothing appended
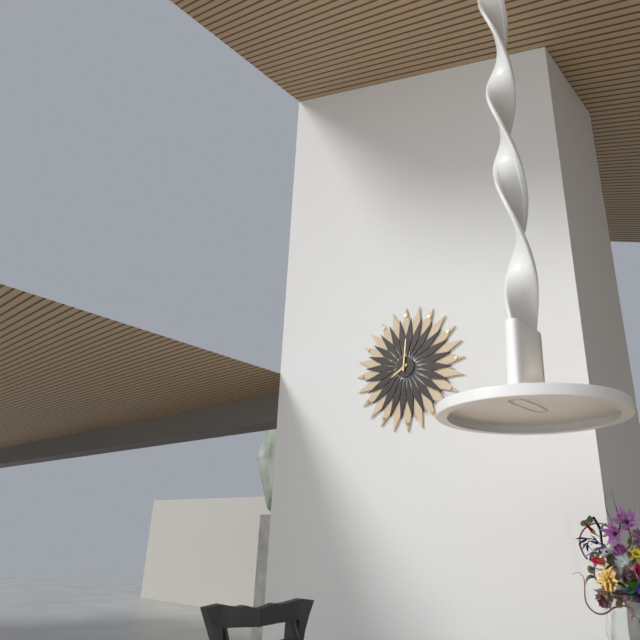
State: h=8 m=1
